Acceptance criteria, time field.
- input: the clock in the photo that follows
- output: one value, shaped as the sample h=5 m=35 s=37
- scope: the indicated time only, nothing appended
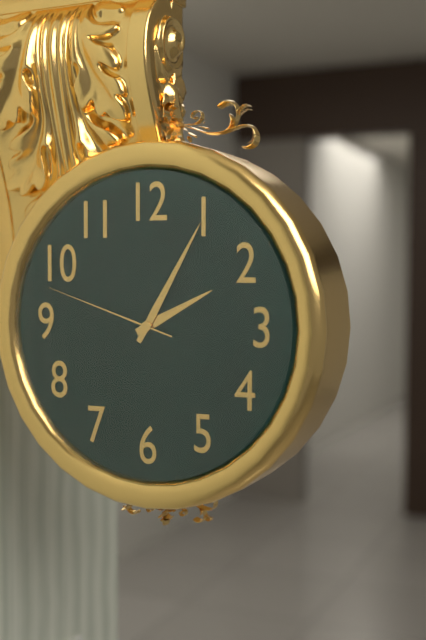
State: h=2 m=5 s=48
